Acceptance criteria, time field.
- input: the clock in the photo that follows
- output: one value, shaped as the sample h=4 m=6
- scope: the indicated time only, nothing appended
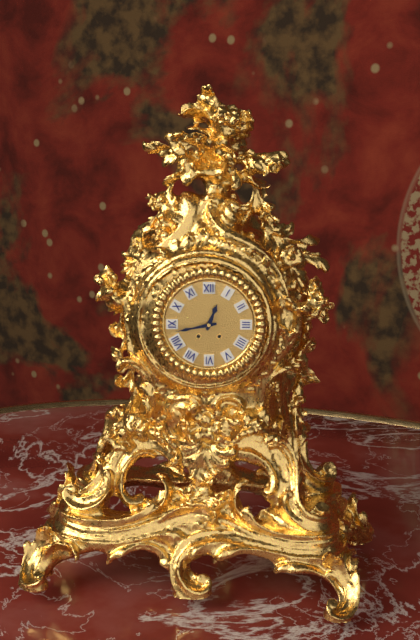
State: h=12 m=43
